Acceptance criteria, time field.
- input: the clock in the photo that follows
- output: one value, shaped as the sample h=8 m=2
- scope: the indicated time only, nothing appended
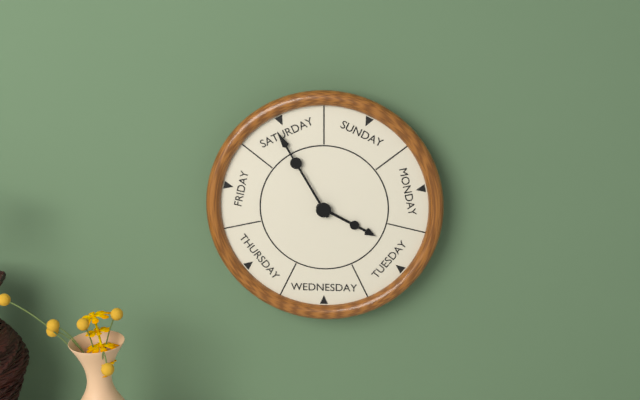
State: h=3 m=55
